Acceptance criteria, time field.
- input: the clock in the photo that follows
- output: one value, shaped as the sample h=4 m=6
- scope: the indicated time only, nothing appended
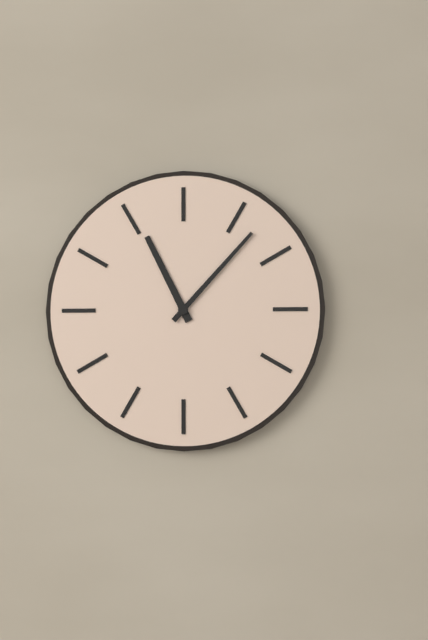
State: h=11 m=7
